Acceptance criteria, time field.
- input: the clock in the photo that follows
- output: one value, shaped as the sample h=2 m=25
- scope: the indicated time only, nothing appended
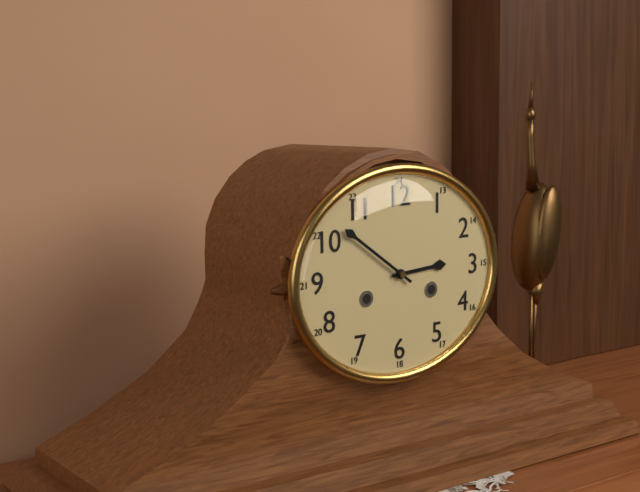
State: h=2 m=51
